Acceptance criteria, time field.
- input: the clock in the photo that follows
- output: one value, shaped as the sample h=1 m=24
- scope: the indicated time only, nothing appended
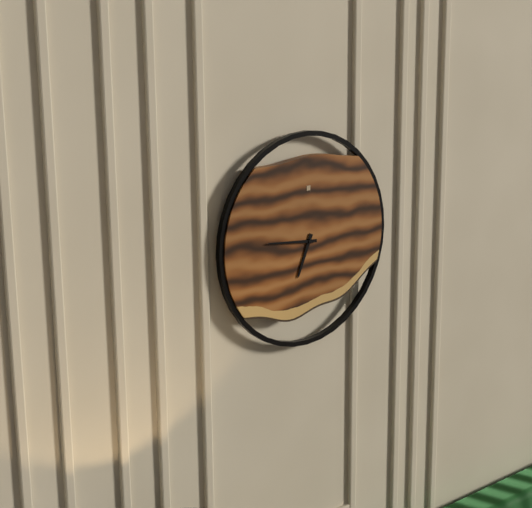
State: h=6 m=46
